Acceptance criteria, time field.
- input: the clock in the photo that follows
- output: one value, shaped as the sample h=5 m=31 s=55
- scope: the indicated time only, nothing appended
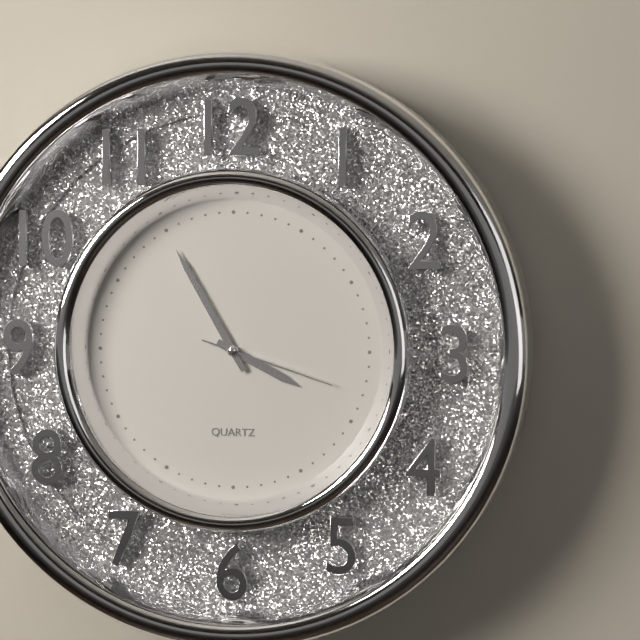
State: h=3 m=55 s=18
